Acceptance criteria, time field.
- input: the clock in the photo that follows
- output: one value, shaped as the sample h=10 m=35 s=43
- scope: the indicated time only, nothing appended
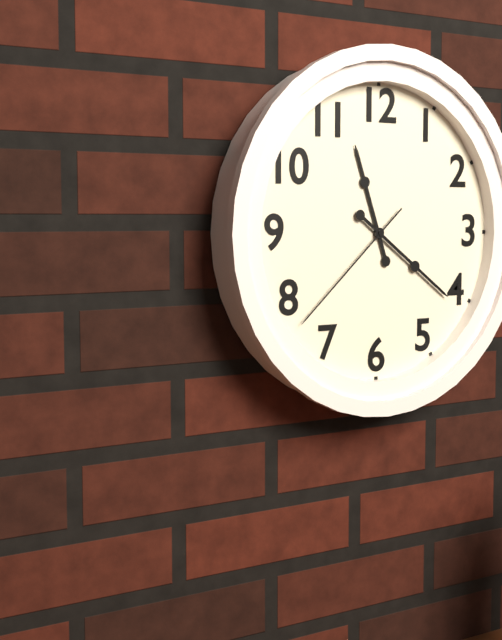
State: h=11 m=21 s=38
